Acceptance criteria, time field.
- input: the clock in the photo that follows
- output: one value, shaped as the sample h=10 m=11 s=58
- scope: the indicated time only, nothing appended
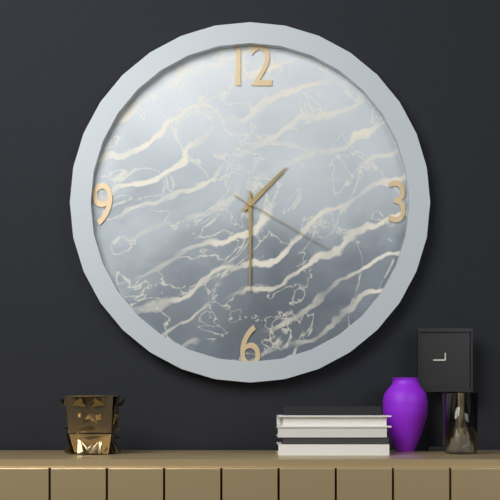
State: h=1 m=30 s=20
